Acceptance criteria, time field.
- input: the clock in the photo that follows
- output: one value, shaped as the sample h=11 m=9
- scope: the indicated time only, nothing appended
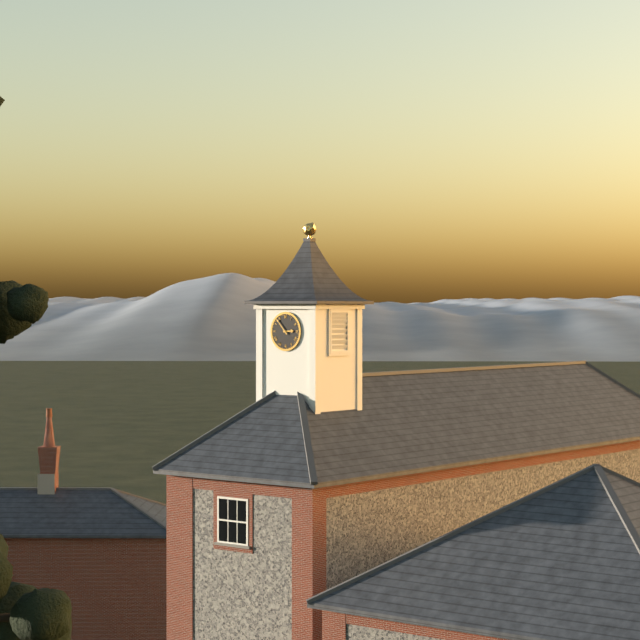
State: h=2 m=53
